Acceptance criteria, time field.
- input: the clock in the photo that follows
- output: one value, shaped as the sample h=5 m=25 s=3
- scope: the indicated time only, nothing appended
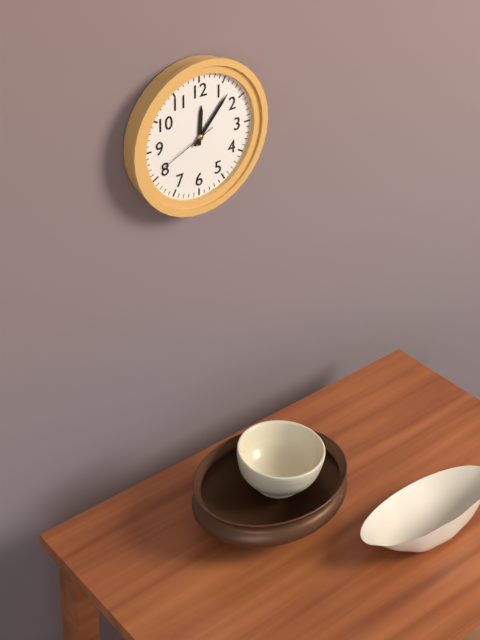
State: h=12 m=7 s=41
